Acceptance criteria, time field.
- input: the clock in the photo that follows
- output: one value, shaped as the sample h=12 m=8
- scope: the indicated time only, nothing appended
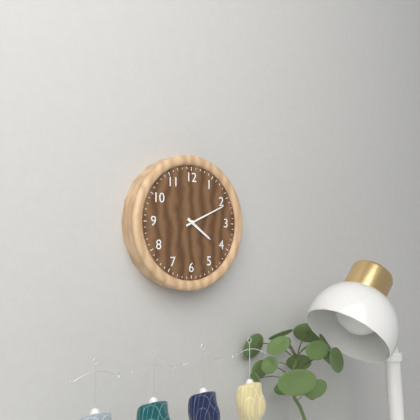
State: h=4 m=11
